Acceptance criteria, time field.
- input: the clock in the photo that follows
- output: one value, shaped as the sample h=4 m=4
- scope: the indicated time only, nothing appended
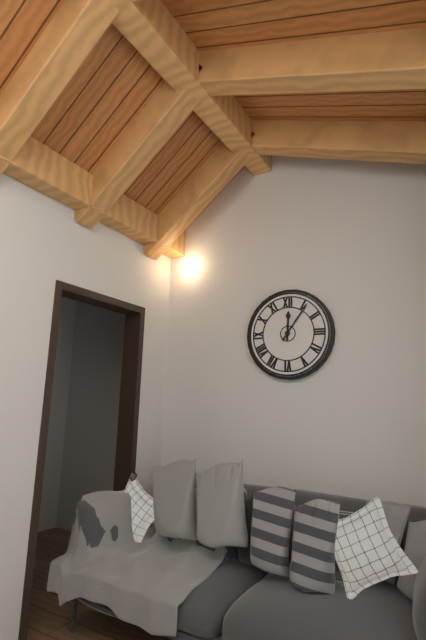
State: h=12 m=6
